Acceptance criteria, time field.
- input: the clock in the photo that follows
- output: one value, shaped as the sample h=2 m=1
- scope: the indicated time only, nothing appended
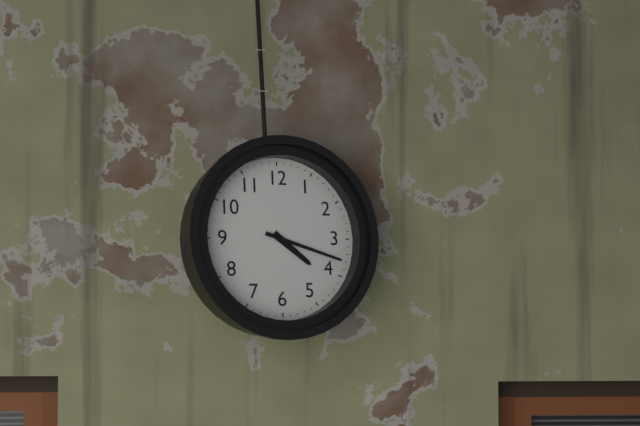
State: h=4 m=18
